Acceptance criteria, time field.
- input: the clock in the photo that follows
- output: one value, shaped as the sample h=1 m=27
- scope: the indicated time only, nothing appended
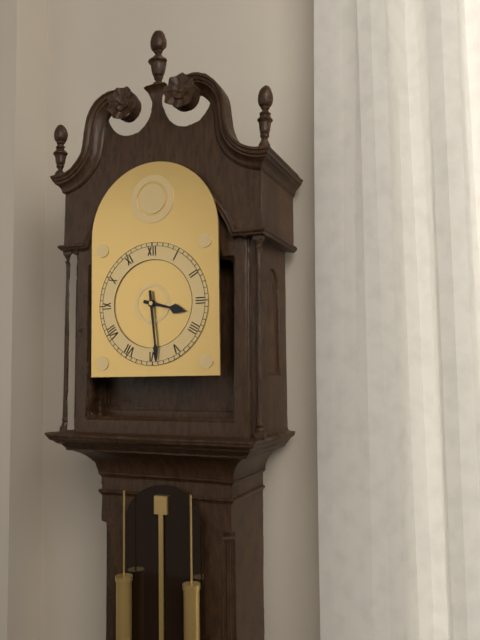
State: h=3 m=29
